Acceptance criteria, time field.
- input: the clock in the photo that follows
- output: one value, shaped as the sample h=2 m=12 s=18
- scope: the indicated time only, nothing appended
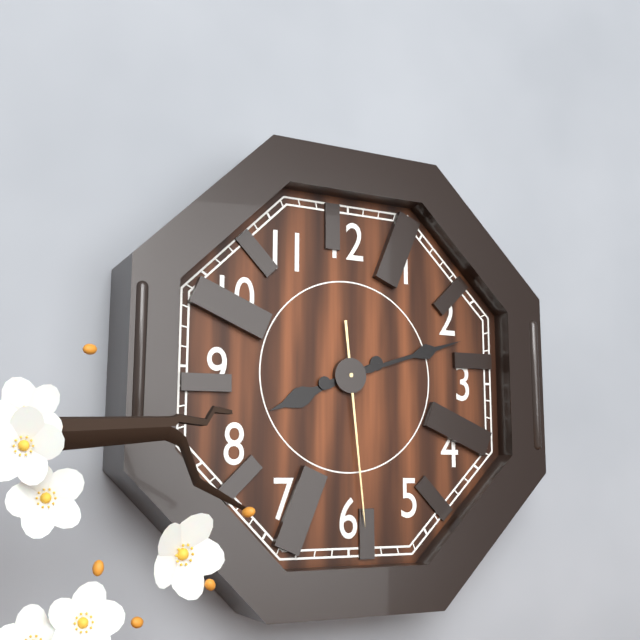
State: h=8 m=12 s=29
